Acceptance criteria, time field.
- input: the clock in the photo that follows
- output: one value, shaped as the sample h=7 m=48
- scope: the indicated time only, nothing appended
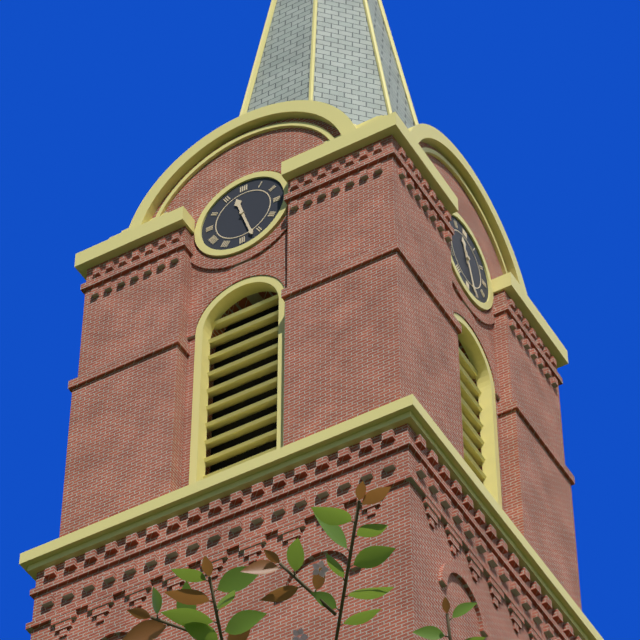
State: h=11 m=27
